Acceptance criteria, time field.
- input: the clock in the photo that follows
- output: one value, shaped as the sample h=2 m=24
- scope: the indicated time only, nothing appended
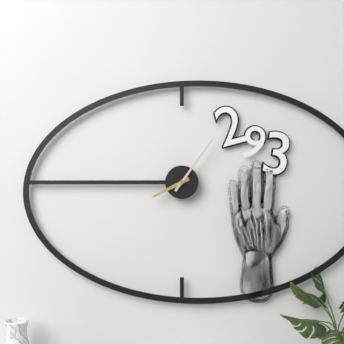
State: h=8 m=6
